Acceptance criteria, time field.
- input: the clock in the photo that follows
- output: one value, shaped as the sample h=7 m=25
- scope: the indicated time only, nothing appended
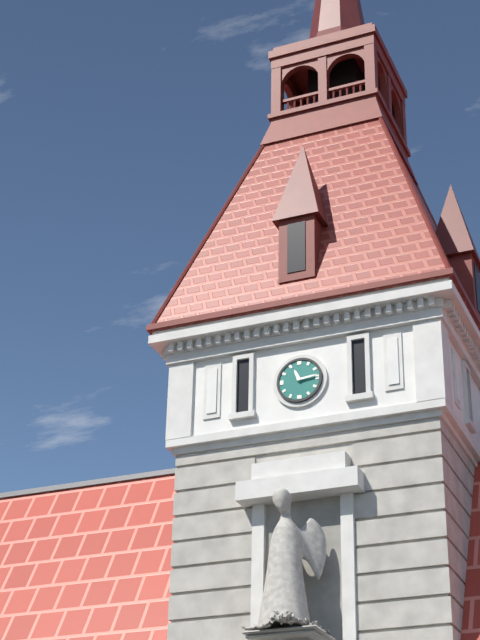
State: h=11 m=14
